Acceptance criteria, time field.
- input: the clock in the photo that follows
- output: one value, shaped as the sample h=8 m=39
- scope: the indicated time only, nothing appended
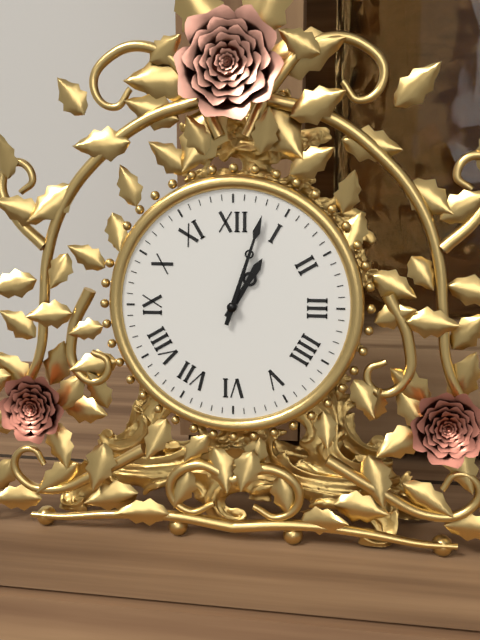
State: h=1 m=3
